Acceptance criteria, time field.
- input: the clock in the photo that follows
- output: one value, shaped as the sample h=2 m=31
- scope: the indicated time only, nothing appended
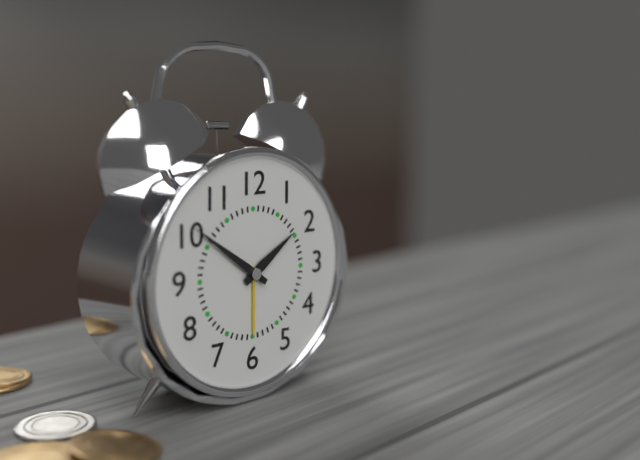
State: h=1 m=51
